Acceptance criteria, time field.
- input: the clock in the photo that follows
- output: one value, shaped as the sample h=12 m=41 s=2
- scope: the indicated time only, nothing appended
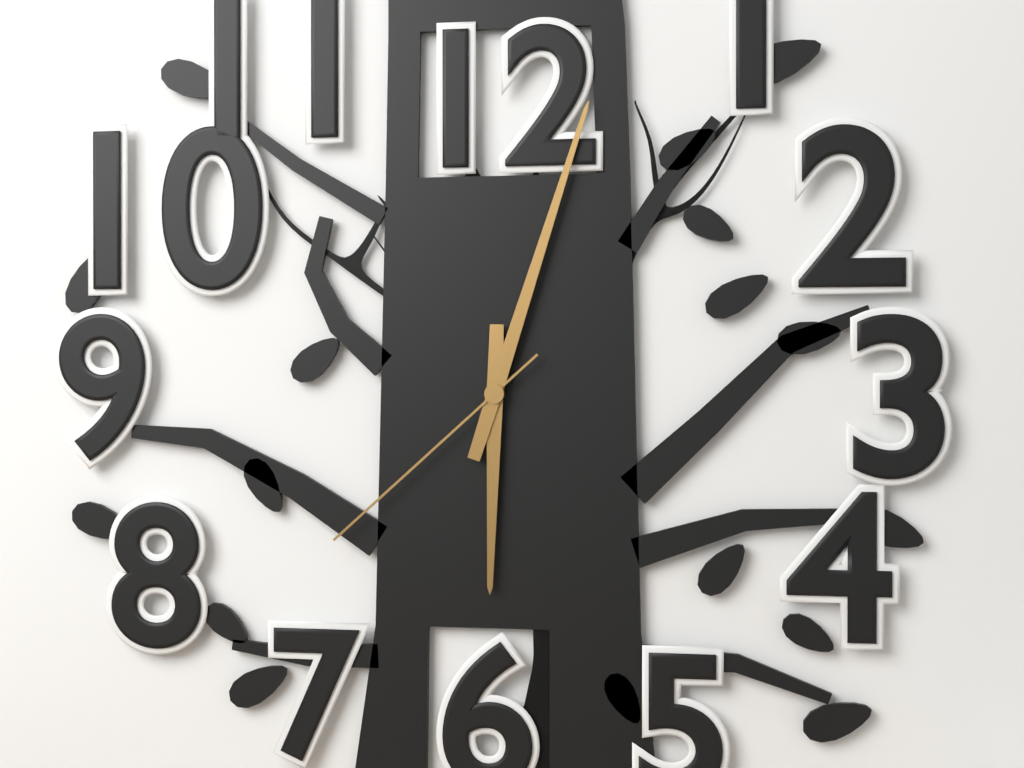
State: h=6 m=3 s=38
